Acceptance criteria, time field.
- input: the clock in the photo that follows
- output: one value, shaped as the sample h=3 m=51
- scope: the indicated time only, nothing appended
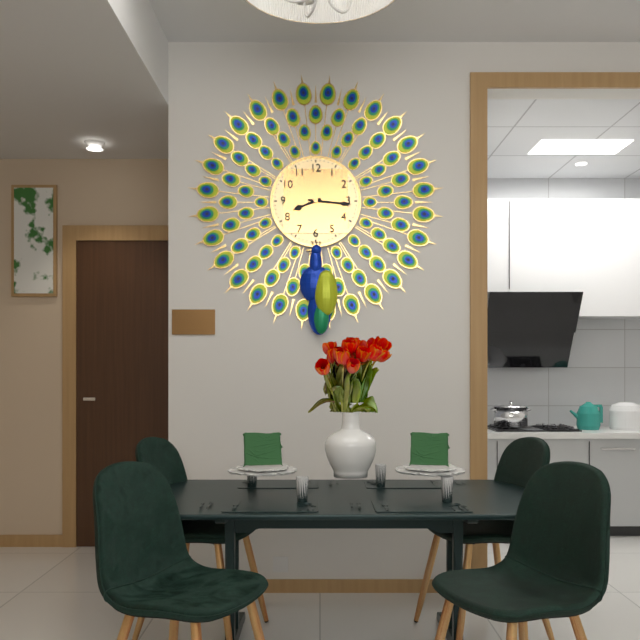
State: h=8 m=16
